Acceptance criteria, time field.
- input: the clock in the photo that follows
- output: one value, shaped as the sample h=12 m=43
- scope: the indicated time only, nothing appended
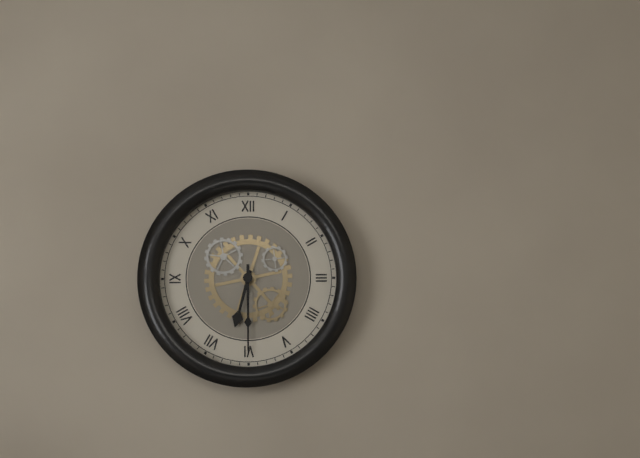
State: h=6 m=30
